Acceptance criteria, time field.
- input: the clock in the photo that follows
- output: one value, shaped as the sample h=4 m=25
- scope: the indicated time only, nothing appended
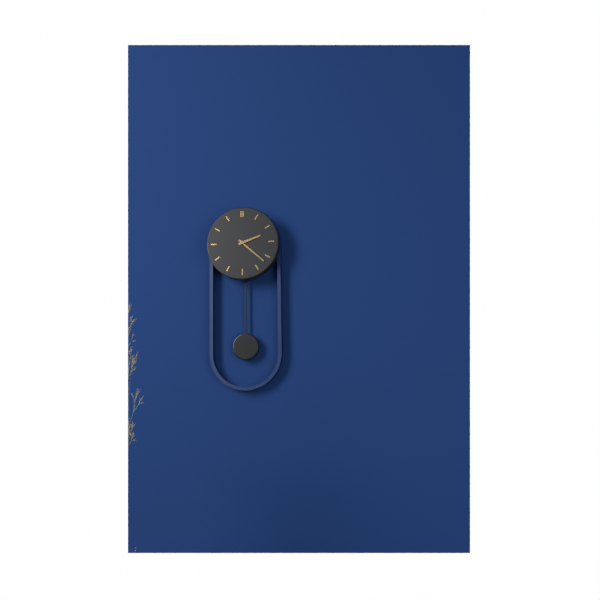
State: h=2 m=22
